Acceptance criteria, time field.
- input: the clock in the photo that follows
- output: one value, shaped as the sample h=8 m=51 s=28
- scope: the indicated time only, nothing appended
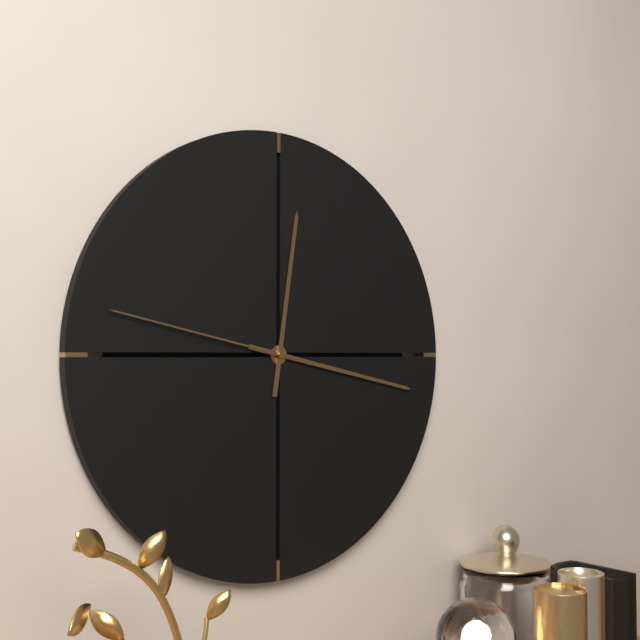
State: h=12 m=17 s=47
